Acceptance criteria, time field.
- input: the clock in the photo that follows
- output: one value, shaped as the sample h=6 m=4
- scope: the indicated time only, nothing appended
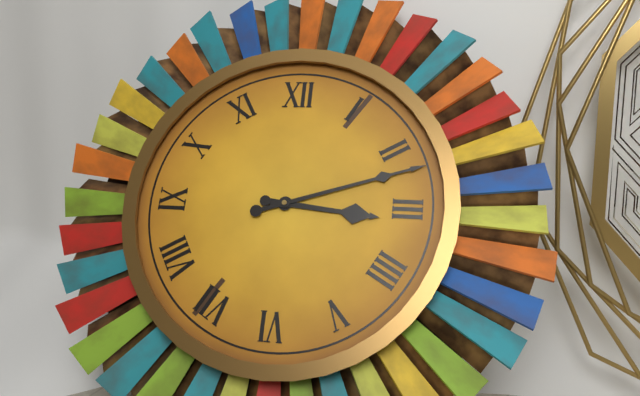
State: h=3 m=12
